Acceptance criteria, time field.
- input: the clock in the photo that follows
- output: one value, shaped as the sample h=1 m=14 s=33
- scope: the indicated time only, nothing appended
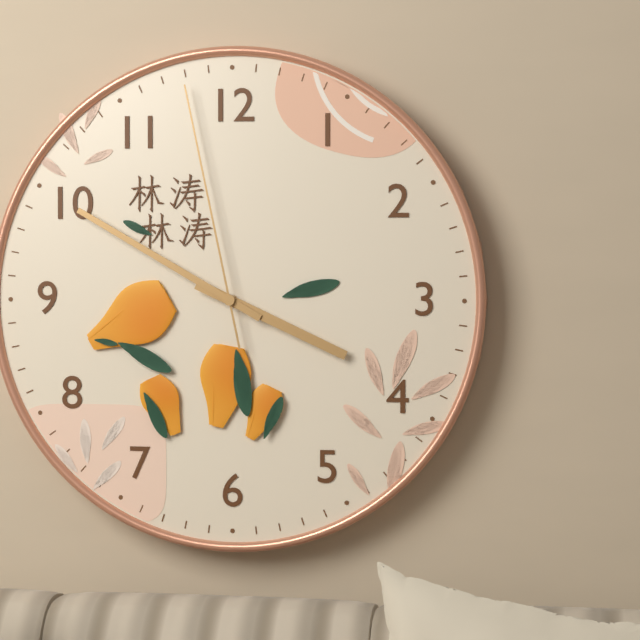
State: h=3 m=50 s=58
